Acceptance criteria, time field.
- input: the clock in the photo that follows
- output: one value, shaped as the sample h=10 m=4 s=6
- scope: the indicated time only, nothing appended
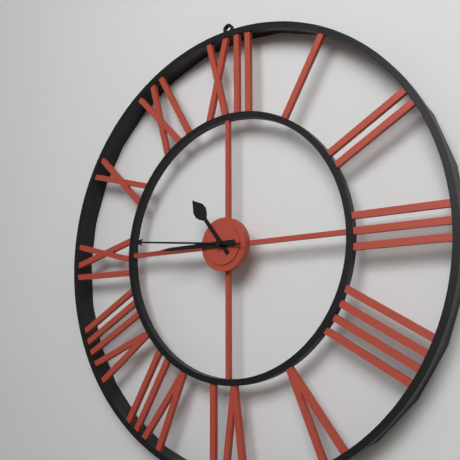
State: h=10 m=45 s=46
